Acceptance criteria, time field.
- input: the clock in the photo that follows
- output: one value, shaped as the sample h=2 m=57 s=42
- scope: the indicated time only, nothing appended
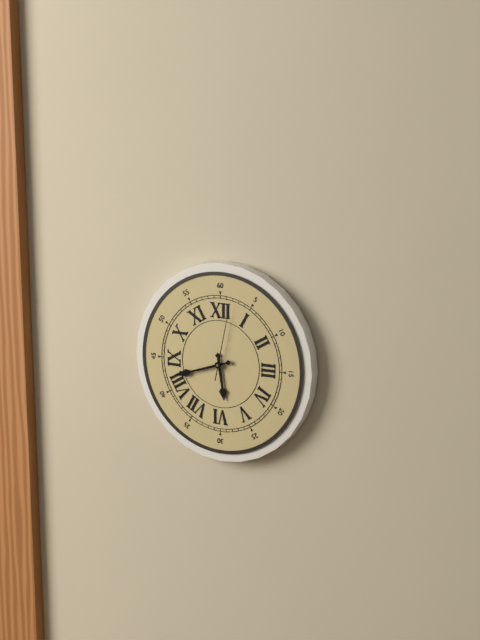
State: h=5 m=42 s=2
